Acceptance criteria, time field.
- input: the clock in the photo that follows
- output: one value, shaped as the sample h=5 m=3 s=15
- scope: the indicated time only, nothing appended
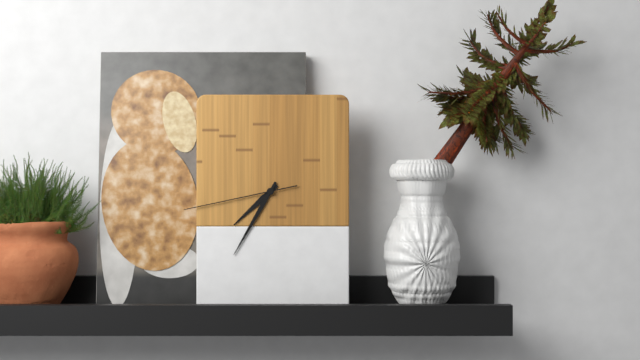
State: h=7 m=35 s=43
